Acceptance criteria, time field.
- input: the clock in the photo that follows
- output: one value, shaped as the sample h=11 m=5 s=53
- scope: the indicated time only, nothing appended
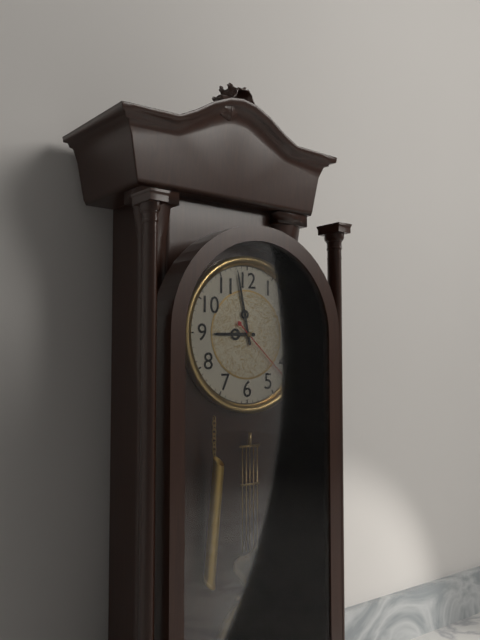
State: h=8 m=58 s=22
